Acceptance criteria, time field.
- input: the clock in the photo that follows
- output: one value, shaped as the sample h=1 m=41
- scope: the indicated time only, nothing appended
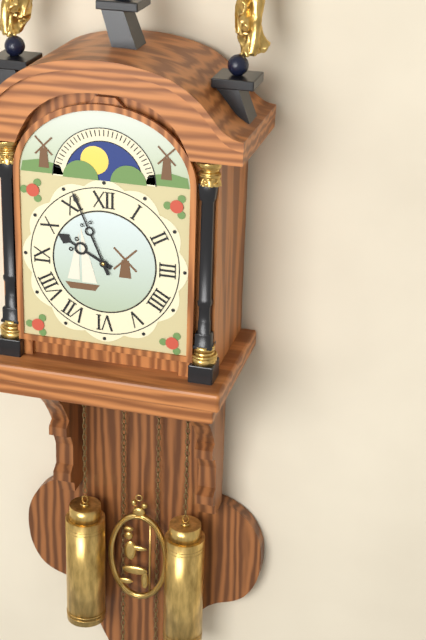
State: h=9 m=56
